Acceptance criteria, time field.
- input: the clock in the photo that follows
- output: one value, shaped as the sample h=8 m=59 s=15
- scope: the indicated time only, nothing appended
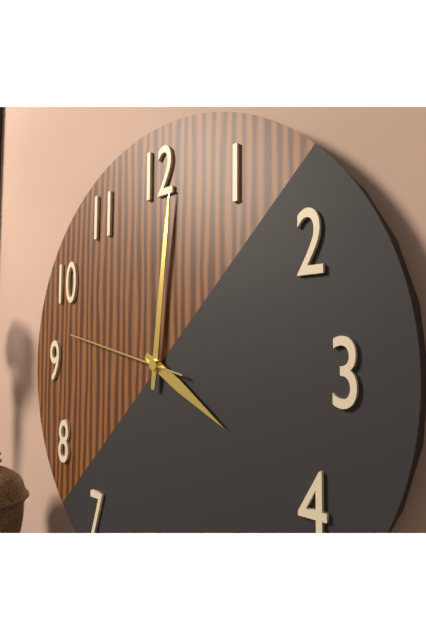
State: h=4 m=1 s=47
